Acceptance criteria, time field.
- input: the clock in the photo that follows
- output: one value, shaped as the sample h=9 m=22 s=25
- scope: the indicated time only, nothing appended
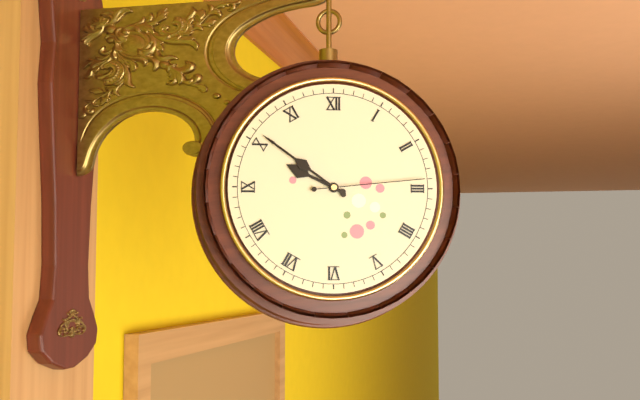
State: h=9 m=51 s=14
